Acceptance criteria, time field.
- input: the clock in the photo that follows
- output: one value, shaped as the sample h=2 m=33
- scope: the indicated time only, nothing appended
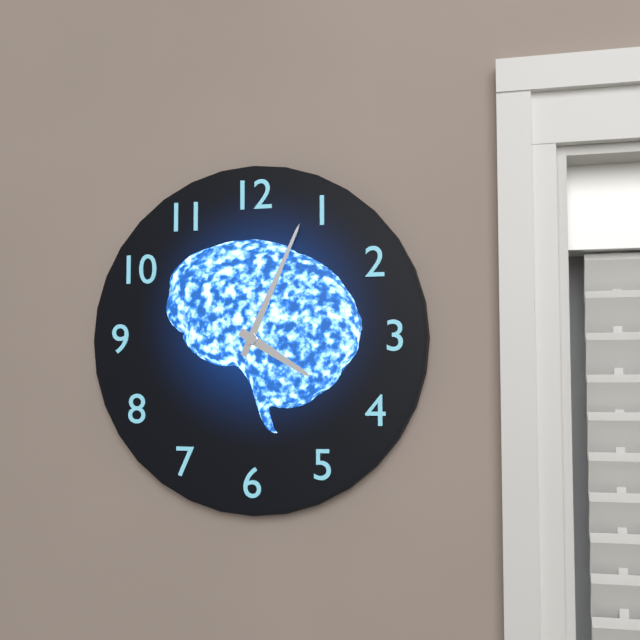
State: h=4 m=4
